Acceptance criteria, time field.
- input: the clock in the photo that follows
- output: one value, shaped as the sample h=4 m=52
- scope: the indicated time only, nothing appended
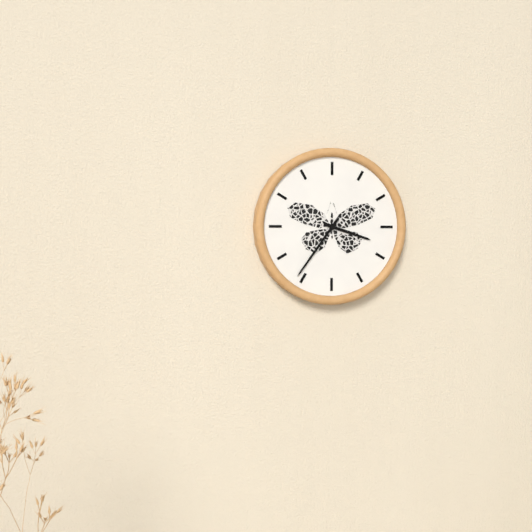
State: h=3 m=36
